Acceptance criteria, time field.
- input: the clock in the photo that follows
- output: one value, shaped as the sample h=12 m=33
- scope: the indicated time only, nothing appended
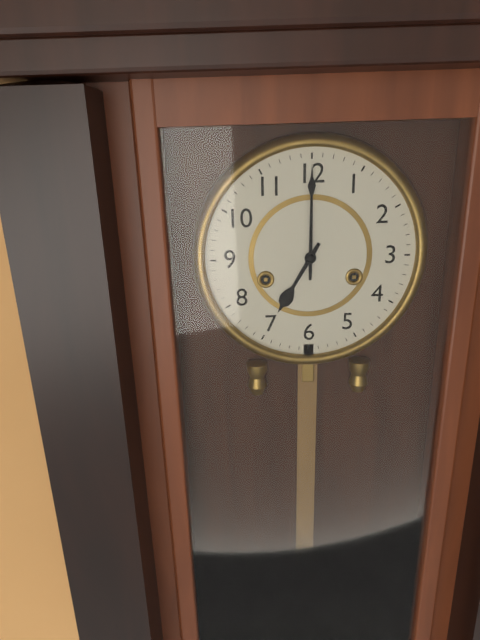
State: h=7 m=0
